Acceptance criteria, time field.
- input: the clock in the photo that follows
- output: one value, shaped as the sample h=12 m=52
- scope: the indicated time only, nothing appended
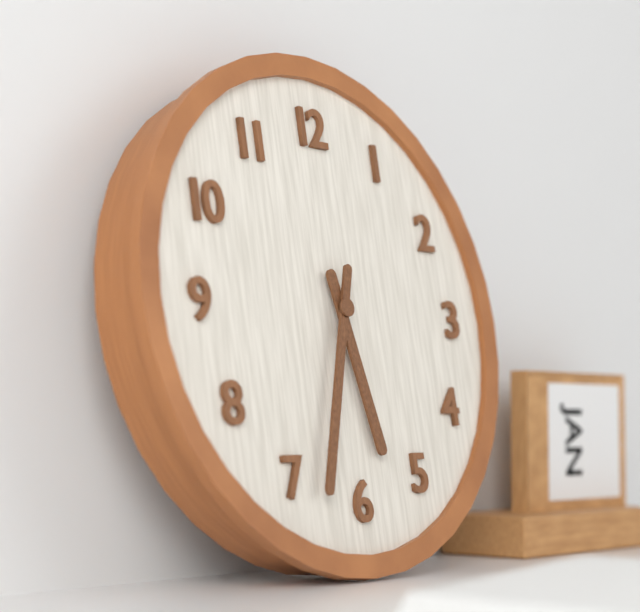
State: h=5 m=33
